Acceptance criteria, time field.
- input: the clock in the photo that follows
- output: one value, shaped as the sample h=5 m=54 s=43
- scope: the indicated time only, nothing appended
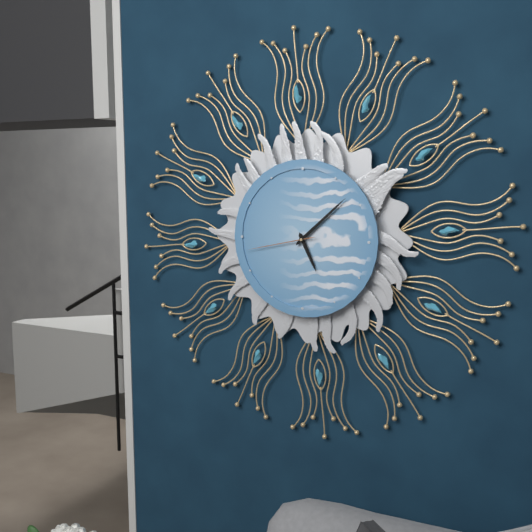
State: h=5 m=8 s=43
